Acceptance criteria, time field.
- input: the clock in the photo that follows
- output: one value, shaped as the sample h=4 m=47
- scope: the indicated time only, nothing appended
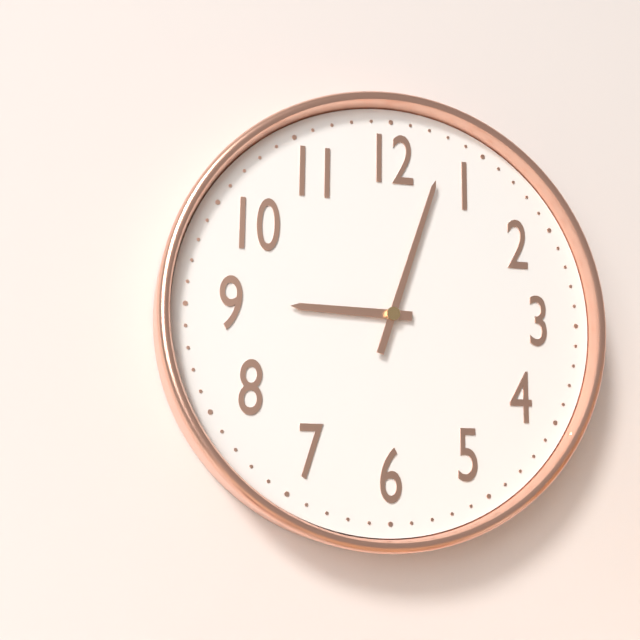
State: h=9 m=3
